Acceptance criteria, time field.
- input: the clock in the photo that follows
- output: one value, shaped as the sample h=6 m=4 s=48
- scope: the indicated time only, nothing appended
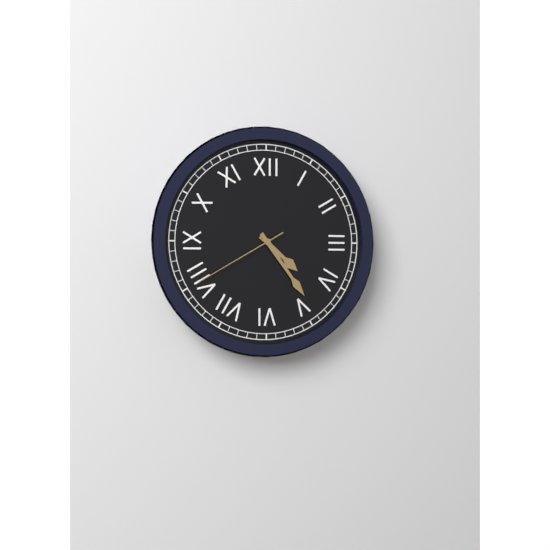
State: h=4 m=24 s=40
